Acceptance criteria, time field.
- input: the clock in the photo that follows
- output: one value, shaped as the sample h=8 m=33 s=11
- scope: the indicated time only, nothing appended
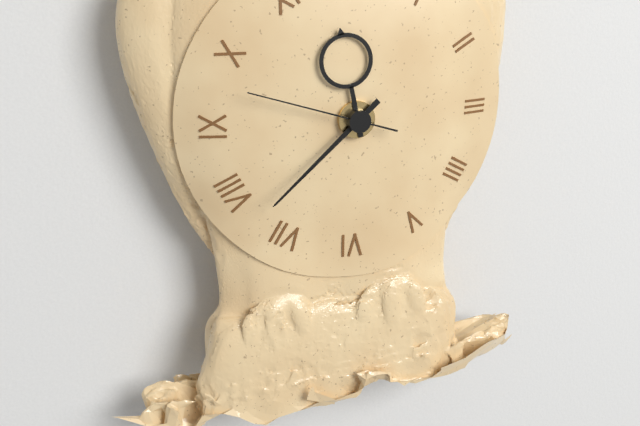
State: h=11 m=38 s=48
